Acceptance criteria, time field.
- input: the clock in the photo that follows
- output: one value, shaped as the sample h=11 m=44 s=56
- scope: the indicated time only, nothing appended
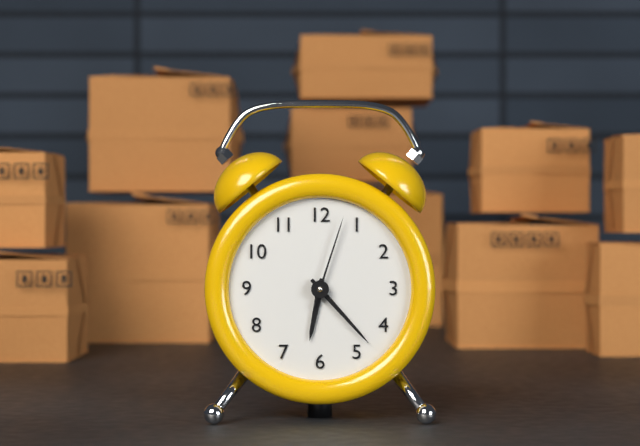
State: h=6 m=23 s=3
